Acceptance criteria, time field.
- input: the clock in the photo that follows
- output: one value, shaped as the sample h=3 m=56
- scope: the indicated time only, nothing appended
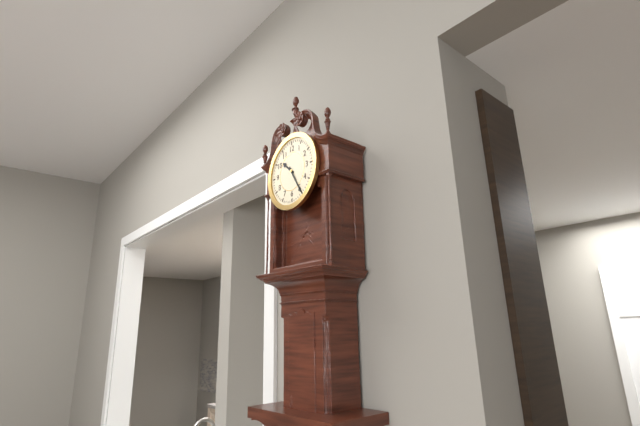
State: h=10 m=25
